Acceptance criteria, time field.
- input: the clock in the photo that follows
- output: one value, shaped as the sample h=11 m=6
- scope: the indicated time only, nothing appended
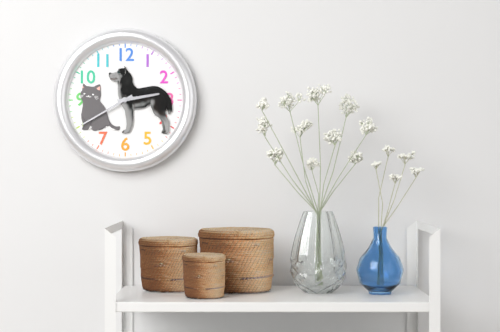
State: h=2 m=40
